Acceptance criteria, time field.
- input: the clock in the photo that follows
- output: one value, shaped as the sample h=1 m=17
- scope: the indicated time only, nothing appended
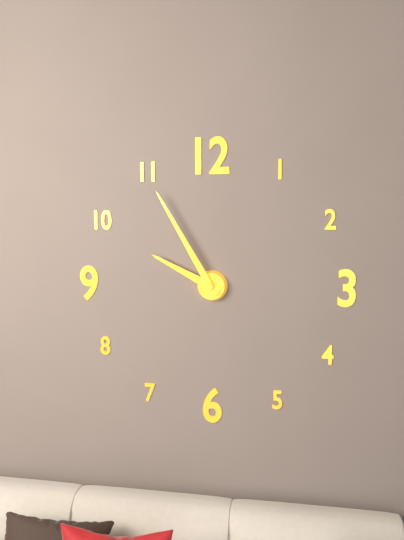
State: h=9 m=55
